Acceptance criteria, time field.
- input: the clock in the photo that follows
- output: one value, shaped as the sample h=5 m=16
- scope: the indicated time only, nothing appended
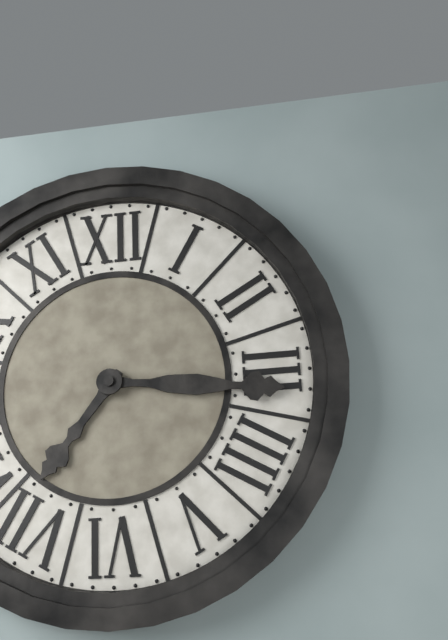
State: h=7 m=16
